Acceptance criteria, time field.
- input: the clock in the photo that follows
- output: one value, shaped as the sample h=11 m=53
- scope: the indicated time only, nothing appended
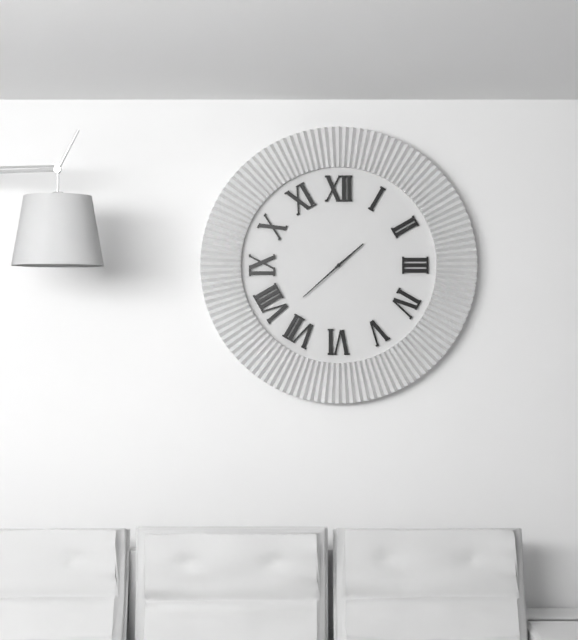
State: h=1 m=38
